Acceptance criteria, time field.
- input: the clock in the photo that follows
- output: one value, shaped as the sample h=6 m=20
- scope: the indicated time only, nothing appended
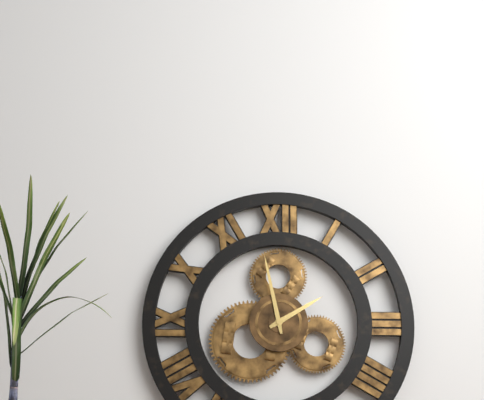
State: h=1 m=58
